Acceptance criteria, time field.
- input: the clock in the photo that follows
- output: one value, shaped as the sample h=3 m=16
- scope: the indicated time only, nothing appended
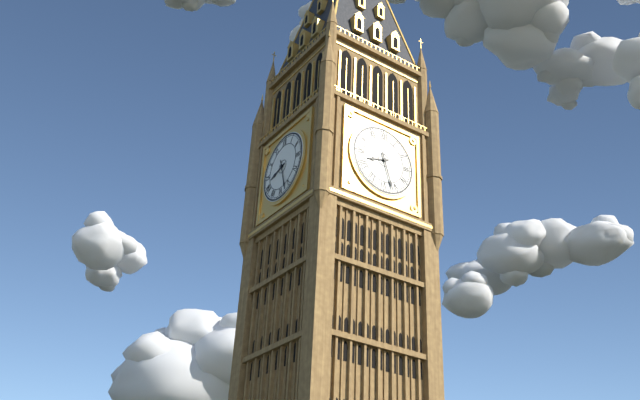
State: h=8 m=27
